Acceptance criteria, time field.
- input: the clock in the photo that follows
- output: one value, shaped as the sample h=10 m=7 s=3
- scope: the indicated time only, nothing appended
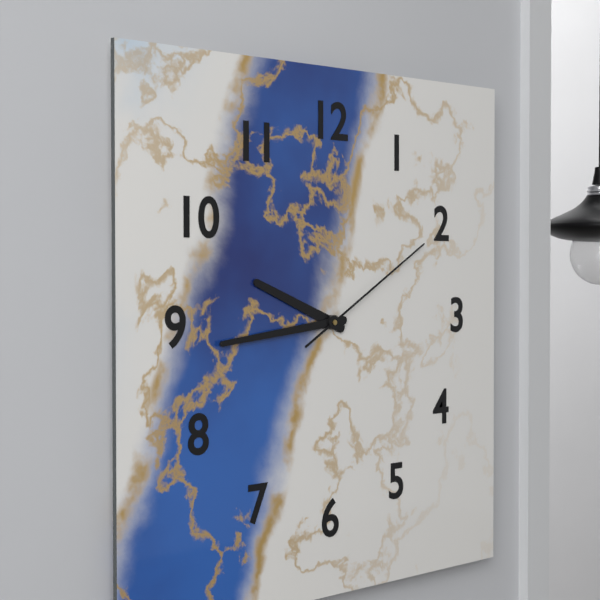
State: h=9 m=44 s=10
